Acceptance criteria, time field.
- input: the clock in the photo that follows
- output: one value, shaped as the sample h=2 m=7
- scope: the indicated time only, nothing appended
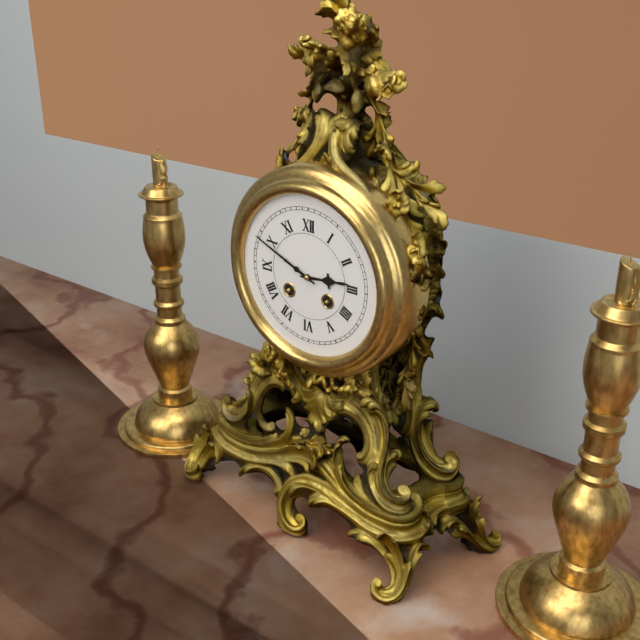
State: h=2 m=49
